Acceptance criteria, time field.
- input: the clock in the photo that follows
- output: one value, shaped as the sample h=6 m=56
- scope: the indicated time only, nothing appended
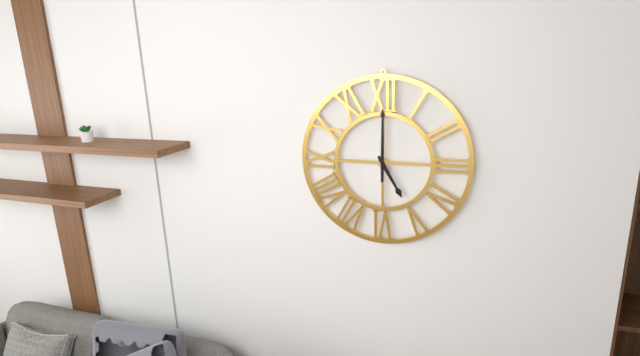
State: h=5 m=0
